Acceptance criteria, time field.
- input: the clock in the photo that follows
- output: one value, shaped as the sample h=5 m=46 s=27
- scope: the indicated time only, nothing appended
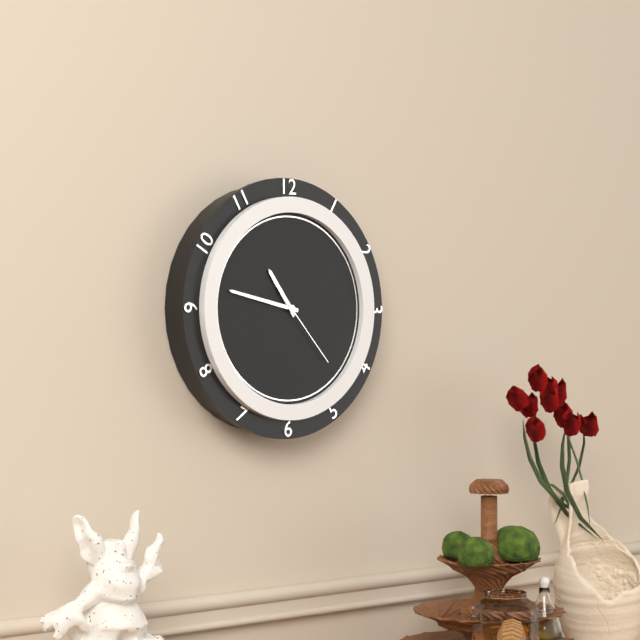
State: h=10 m=47 s=23
